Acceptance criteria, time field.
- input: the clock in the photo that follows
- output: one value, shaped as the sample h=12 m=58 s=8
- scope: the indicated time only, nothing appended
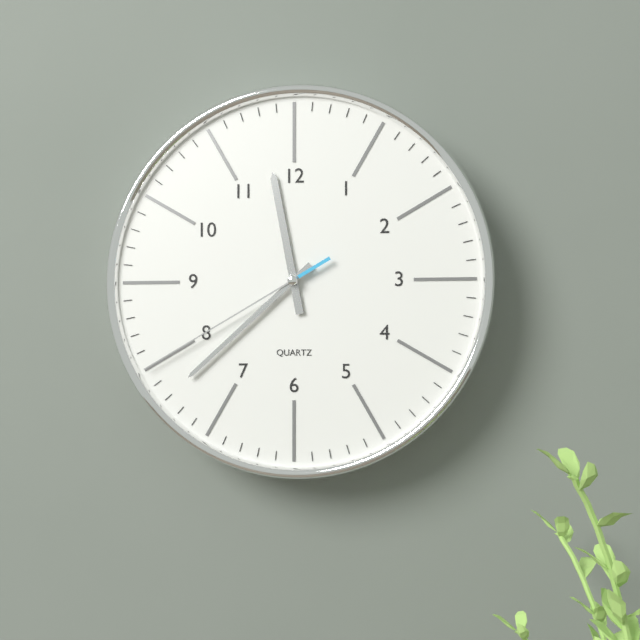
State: h=11 m=38 s=40
